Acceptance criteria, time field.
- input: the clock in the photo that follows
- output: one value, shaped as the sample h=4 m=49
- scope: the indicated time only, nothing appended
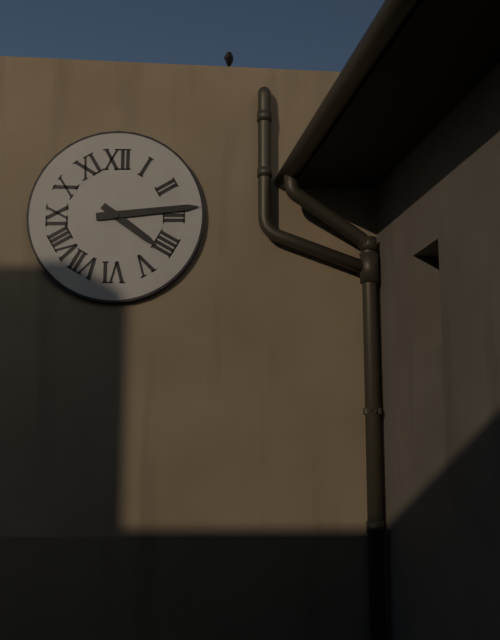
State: h=4 m=14
